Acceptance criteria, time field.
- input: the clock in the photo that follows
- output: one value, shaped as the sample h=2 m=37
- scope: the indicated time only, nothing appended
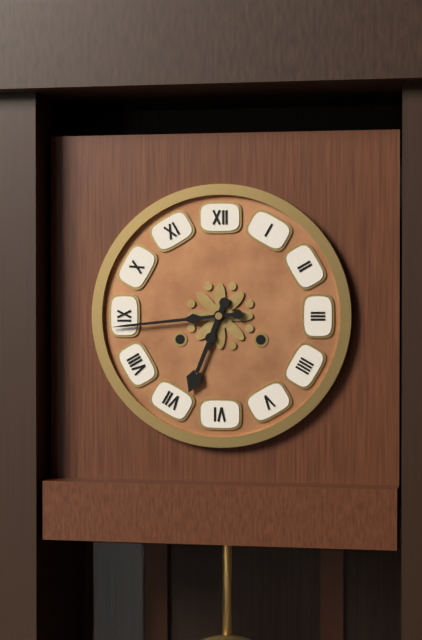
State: h=6 m=44
